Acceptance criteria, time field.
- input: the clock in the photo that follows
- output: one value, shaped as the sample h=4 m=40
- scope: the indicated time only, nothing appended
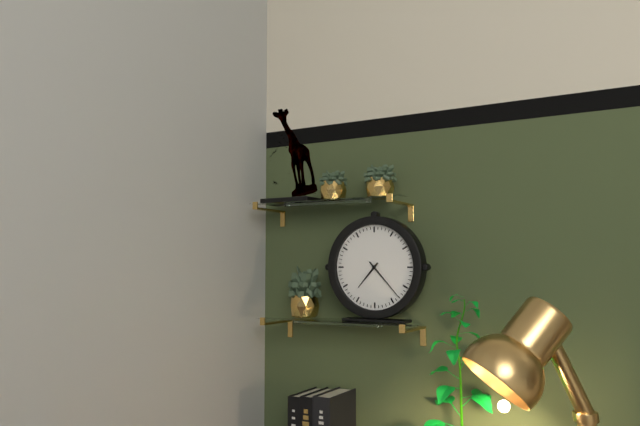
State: h=7 m=23
